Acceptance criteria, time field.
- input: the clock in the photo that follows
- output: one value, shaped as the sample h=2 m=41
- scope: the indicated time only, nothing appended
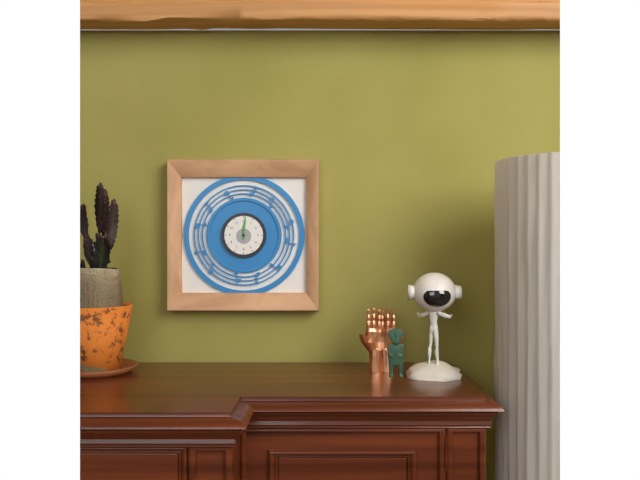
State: h=12 m=1
